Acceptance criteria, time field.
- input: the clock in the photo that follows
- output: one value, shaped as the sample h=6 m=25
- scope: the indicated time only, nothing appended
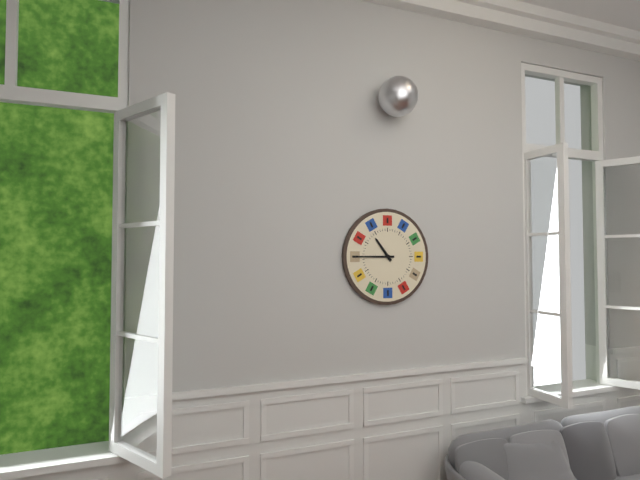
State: h=10 m=45
